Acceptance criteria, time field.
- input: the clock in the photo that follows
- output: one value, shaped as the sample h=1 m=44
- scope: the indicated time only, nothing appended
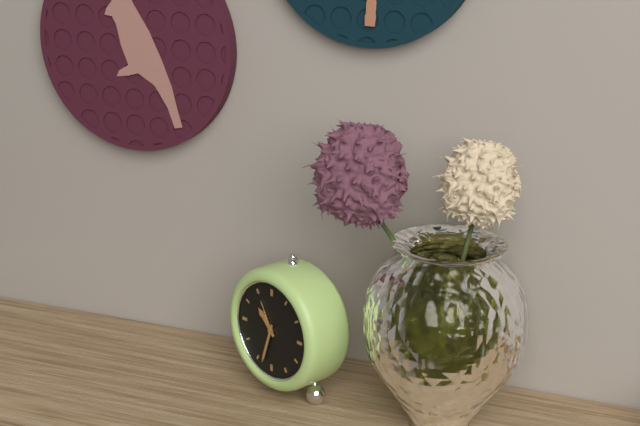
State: h=10 m=33
